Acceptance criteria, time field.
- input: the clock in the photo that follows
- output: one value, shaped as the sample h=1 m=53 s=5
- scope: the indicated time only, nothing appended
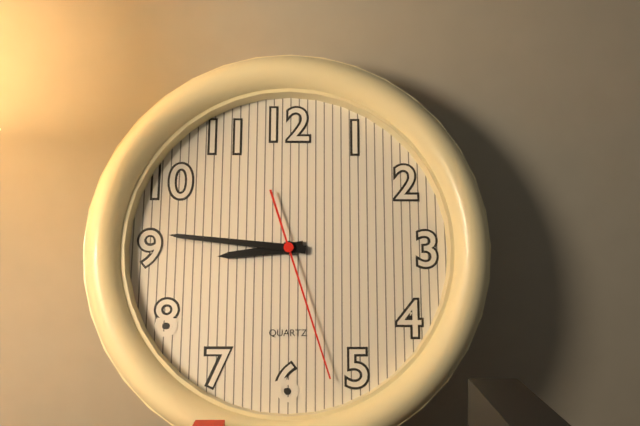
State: h=8 m=46 s=27
